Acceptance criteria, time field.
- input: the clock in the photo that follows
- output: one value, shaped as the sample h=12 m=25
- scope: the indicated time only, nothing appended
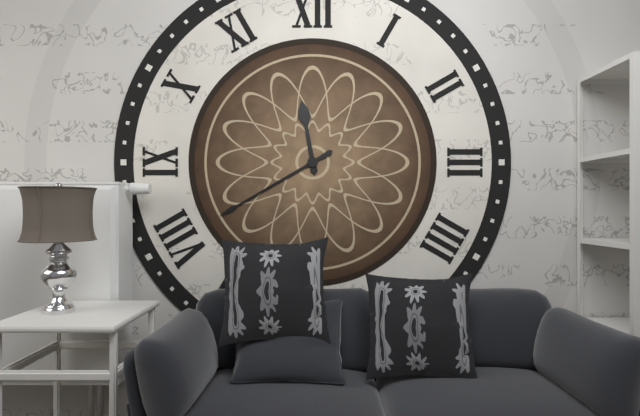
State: h=11 m=40
